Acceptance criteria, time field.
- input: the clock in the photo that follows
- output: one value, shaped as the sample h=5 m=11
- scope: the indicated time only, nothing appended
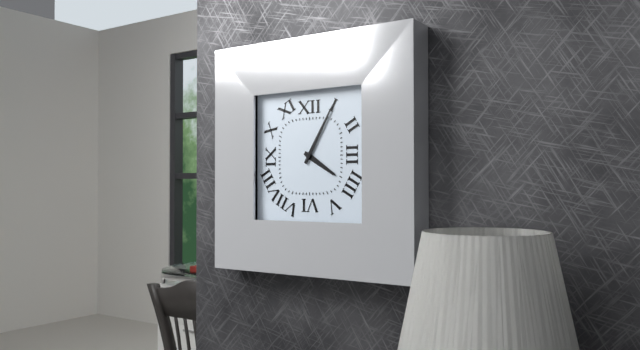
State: h=4 m=5
